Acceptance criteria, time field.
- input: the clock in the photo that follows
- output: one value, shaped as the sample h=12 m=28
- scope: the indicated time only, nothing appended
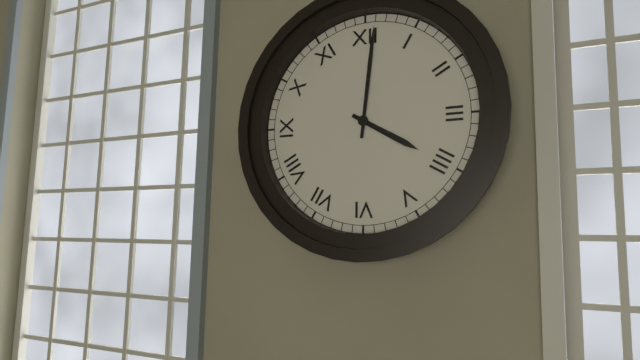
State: h=4 m=1
